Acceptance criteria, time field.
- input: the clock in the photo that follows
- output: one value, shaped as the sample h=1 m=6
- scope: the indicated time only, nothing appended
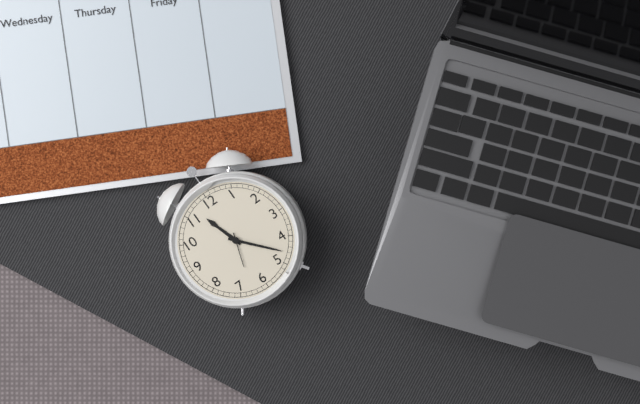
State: h=11 m=23
